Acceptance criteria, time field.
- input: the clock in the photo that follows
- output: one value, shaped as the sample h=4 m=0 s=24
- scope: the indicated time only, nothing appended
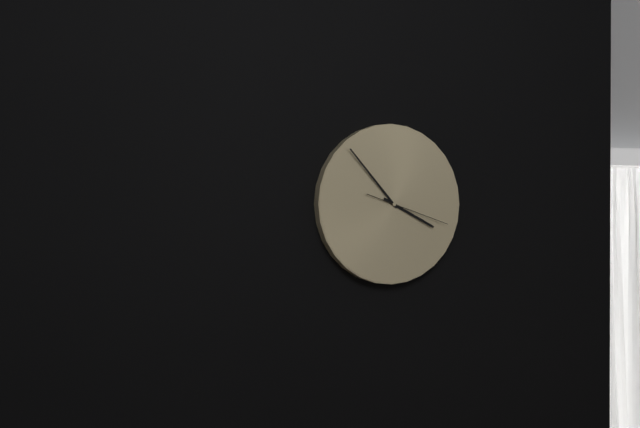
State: h=3 m=53 s=18
